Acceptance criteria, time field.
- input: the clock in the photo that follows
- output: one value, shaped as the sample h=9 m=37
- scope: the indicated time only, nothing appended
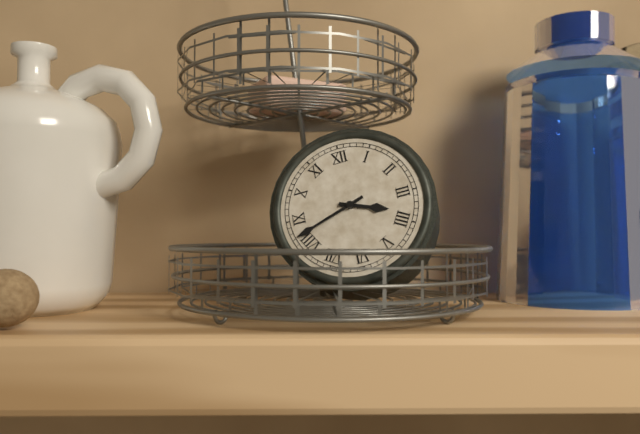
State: h=3 m=42
